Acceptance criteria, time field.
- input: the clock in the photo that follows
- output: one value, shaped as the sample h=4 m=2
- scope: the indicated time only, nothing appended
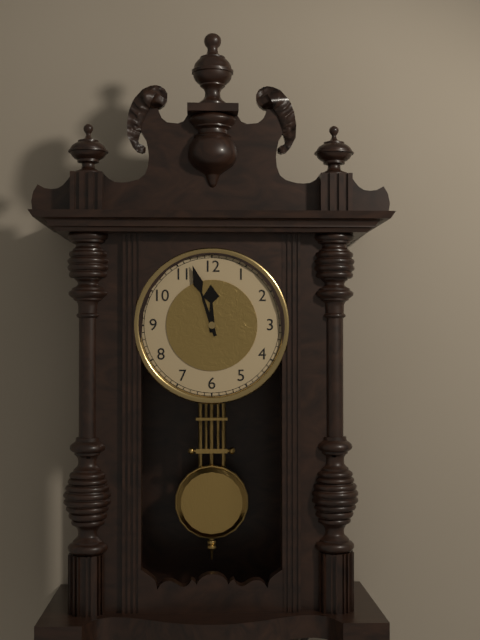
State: h=11 m=57
